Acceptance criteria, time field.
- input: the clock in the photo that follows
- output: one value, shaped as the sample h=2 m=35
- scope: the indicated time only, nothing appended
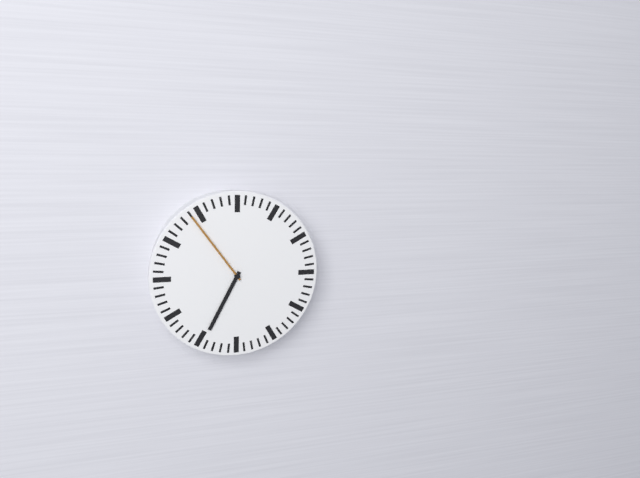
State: h=6 m=54
